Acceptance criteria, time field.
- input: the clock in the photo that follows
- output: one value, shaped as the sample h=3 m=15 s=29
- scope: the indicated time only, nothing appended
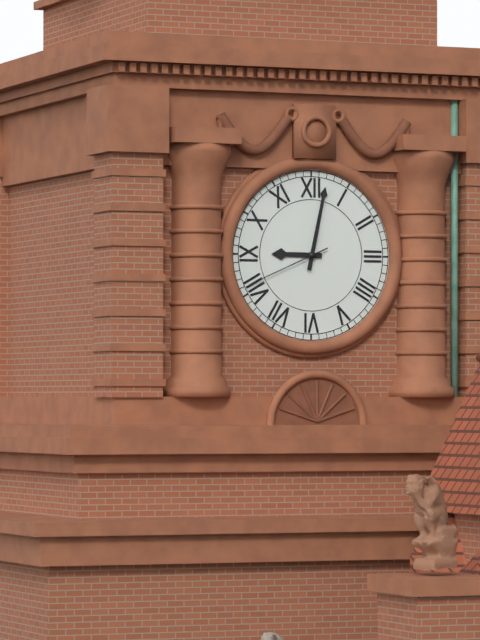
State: h=9 m=2 s=41
